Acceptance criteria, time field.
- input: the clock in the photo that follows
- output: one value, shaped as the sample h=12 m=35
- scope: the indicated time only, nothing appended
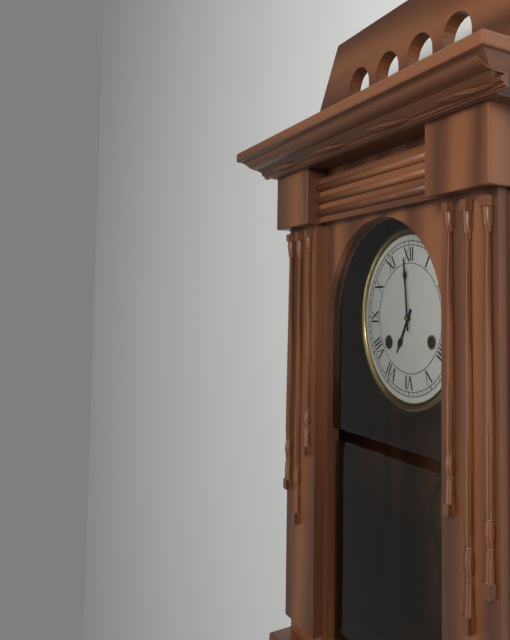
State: h=6 m=59
